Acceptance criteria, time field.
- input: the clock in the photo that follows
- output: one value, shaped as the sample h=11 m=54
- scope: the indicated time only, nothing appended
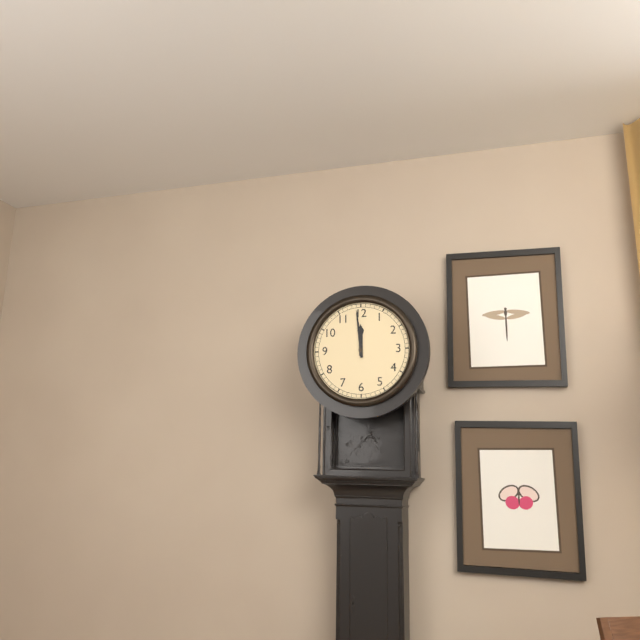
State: h=11 m=59
